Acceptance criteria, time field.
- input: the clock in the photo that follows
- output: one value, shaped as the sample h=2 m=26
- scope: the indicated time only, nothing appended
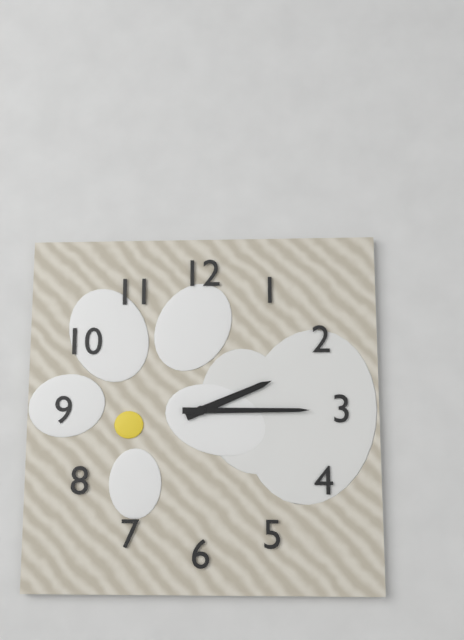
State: h=2 m=15
